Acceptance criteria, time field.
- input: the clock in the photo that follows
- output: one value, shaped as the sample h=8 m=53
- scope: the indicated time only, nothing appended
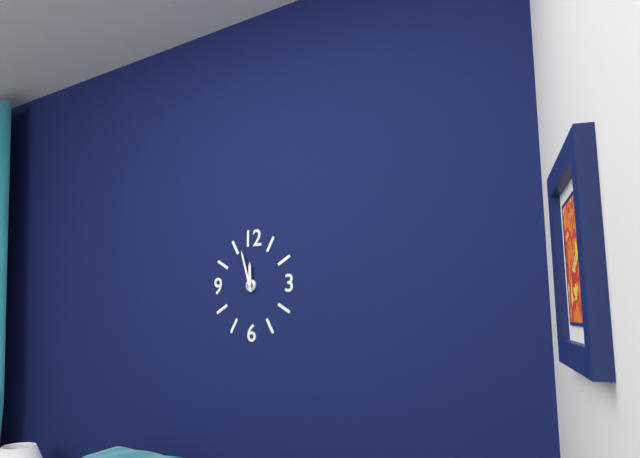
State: h=11 m=57
